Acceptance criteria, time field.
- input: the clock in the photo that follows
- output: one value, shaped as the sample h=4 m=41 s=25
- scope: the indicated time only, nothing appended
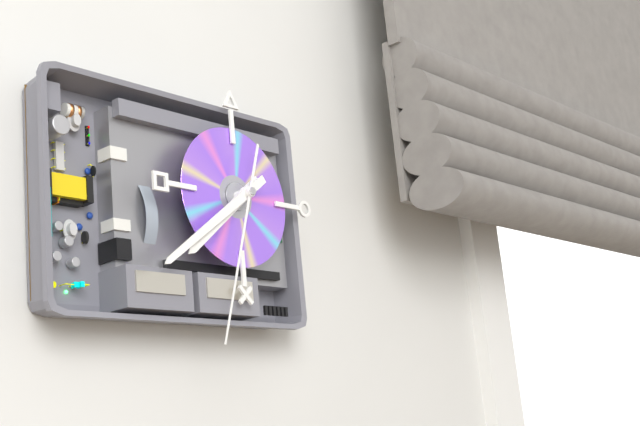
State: h=7 m=39 s=33
